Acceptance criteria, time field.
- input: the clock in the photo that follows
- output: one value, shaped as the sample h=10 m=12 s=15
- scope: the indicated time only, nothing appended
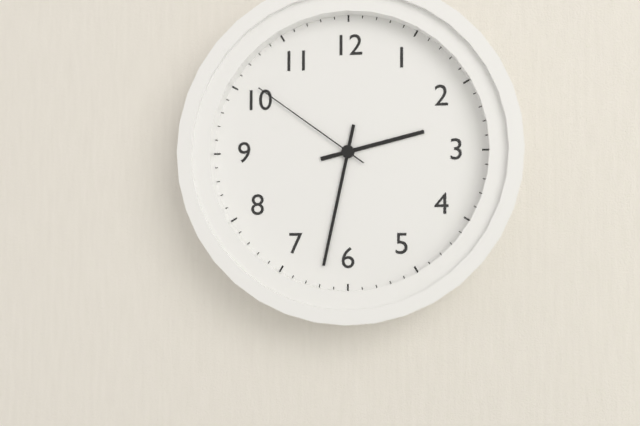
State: h=2 m=32 s=51
